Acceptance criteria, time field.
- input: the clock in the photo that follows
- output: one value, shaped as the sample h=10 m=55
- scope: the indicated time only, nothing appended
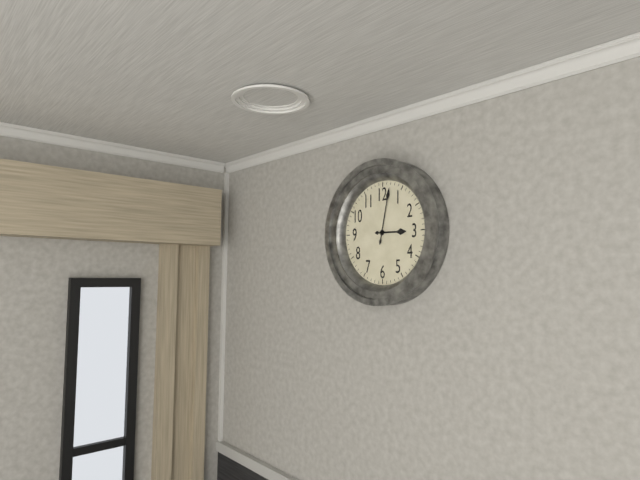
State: h=3 m=2
